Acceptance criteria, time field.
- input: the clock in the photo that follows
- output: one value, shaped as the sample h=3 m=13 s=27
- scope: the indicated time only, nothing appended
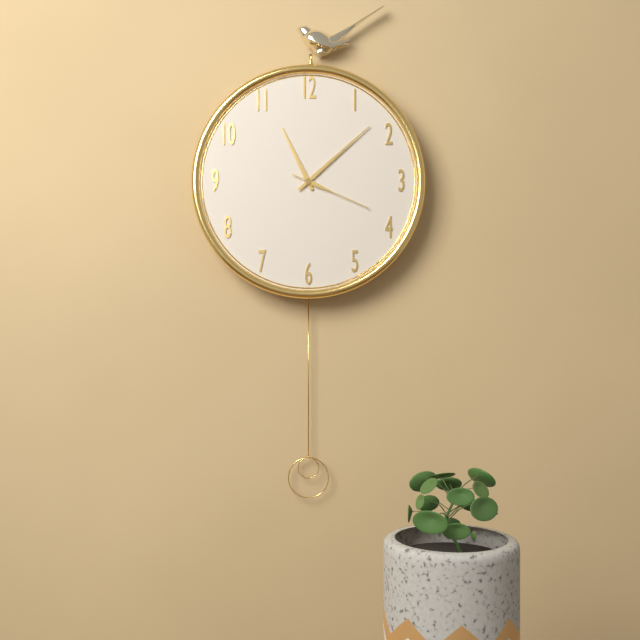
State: h=11 m=8 s=19
